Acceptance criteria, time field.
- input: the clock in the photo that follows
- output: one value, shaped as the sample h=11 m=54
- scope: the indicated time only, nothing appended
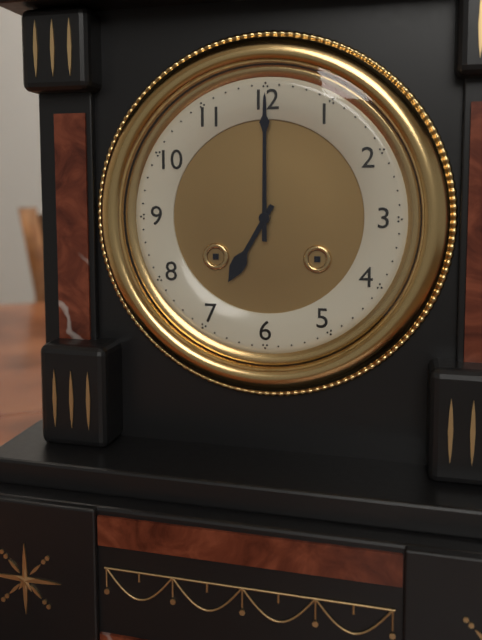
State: h=7 m=0
